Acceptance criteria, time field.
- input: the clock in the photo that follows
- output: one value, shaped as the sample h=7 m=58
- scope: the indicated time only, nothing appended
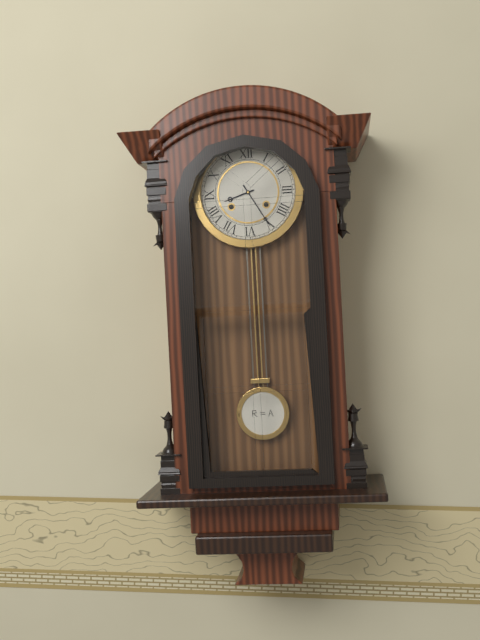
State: h=8 m=25
